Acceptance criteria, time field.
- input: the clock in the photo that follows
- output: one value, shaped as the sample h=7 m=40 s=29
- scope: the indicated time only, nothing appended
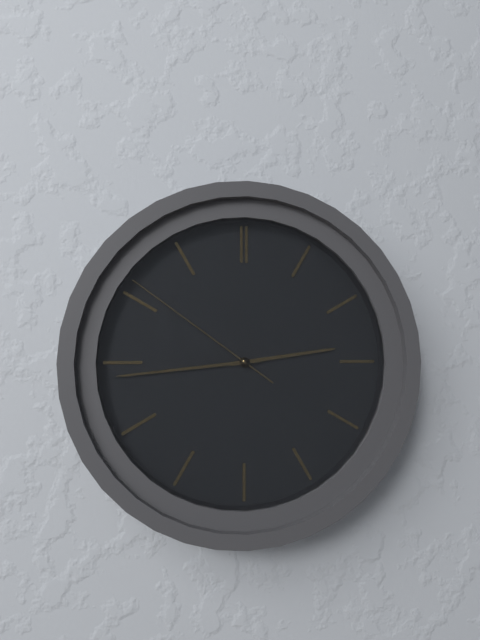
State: h=2 m=44 s=51
